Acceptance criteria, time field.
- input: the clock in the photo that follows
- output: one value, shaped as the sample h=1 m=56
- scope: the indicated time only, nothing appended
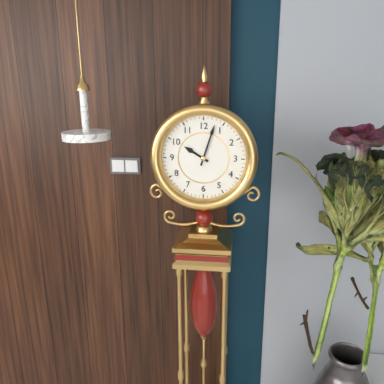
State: h=10 m=3
